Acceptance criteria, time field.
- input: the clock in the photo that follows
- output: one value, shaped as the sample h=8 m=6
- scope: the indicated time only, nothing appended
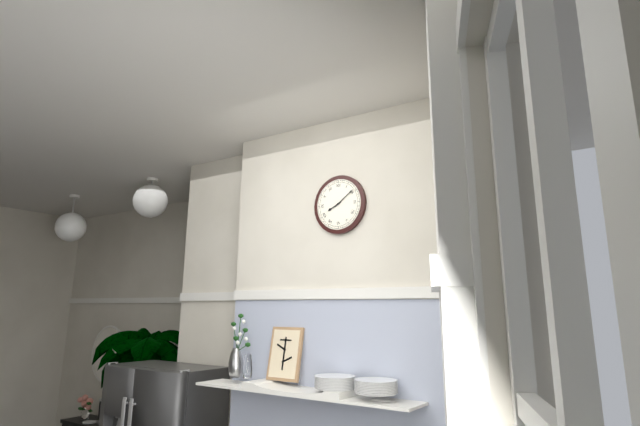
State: h=8 m=9
